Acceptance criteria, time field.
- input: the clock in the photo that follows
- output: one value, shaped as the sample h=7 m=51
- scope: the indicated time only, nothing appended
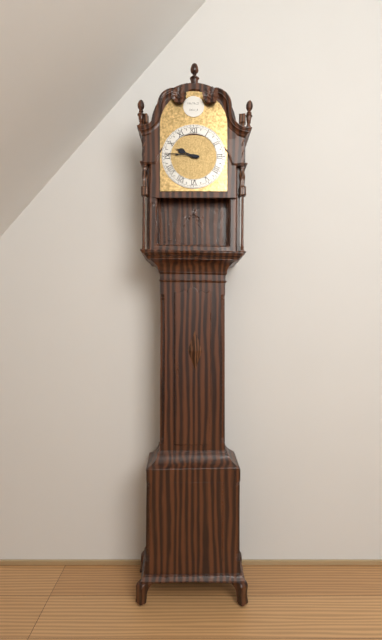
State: h=9 m=46
